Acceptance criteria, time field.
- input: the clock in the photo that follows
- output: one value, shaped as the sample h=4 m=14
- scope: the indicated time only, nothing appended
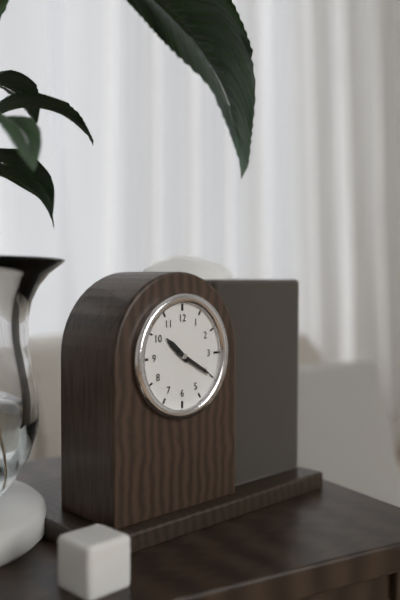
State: h=10 m=20
